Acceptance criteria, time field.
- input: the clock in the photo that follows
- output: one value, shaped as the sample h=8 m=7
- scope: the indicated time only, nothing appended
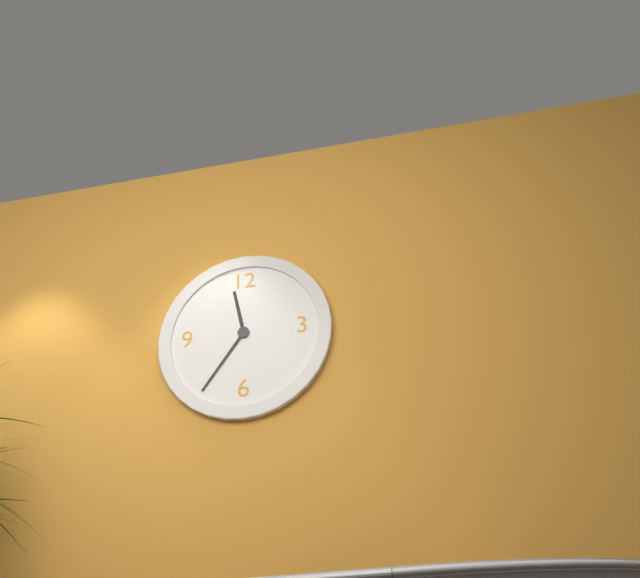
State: h=11 m=36
